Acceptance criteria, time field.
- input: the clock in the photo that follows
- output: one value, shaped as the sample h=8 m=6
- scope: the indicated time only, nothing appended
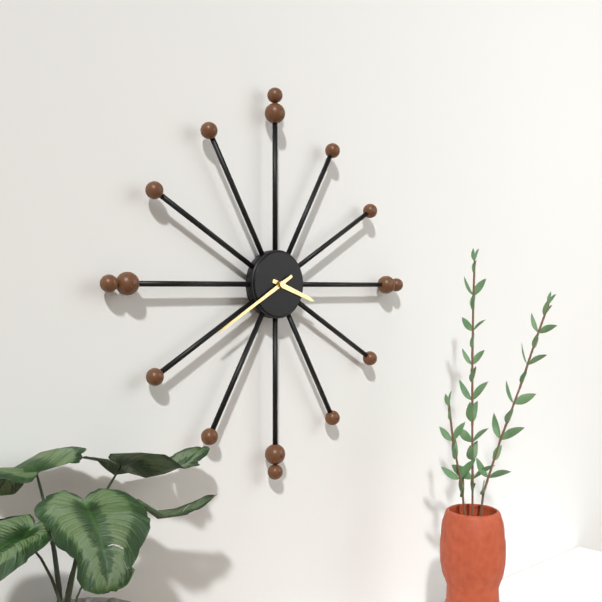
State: h=3 m=40
